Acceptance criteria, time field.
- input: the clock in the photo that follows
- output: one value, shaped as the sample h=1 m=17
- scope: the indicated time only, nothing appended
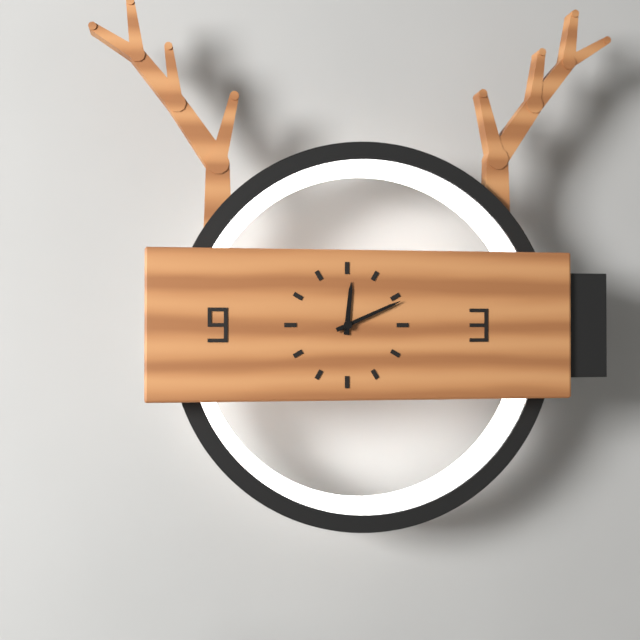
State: h=12 m=11
